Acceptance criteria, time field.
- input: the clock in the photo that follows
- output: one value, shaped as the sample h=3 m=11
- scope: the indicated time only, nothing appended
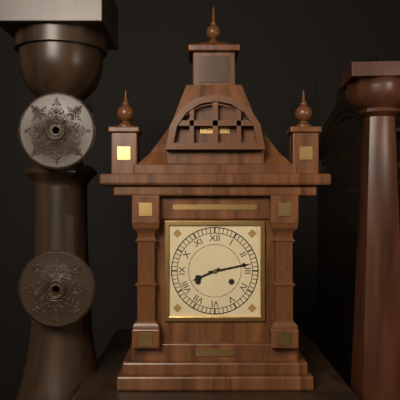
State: h=8 m=13
